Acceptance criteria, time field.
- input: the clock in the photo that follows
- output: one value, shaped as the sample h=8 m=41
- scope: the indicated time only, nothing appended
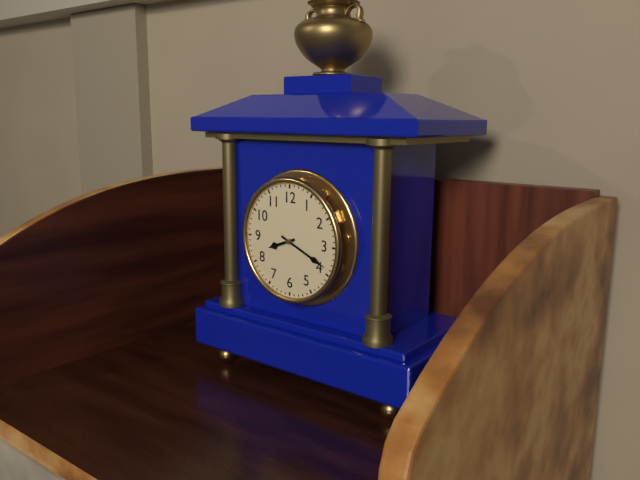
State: h=8 m=19
